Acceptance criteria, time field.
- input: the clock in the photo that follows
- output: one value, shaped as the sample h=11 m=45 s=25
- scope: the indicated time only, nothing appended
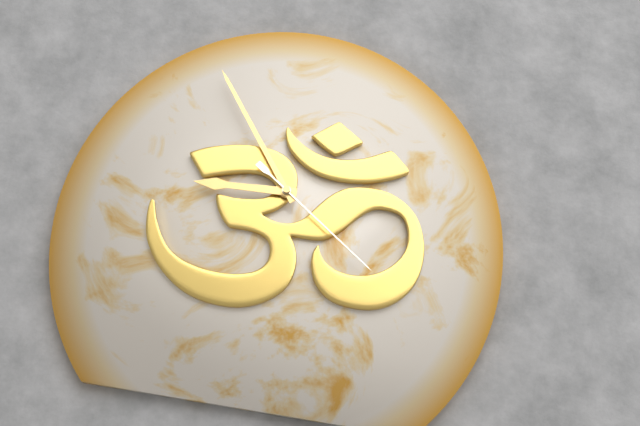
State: h=8 m=54 s=21
